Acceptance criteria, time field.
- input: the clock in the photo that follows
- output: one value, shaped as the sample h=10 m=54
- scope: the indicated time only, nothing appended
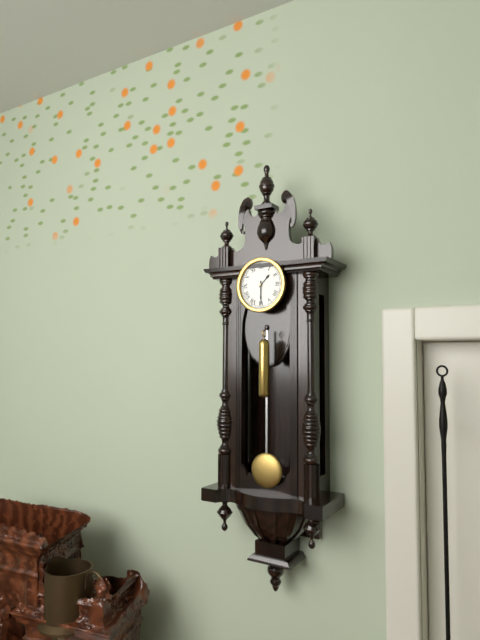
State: h=1 m=30
